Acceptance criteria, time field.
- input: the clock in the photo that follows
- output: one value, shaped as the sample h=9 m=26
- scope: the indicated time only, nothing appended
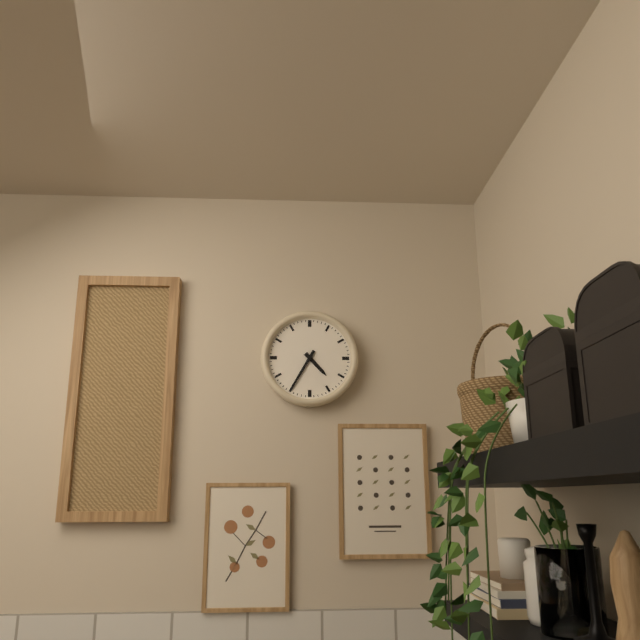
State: h=4 m=35
